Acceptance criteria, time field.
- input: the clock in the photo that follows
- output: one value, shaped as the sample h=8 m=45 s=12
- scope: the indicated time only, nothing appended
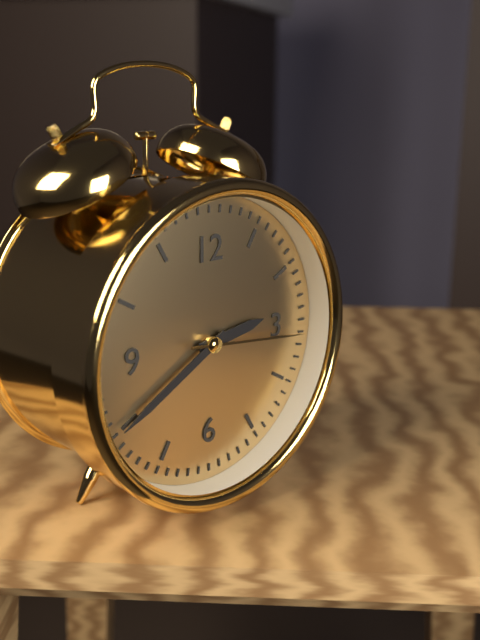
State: h=2 m=40 s=16
